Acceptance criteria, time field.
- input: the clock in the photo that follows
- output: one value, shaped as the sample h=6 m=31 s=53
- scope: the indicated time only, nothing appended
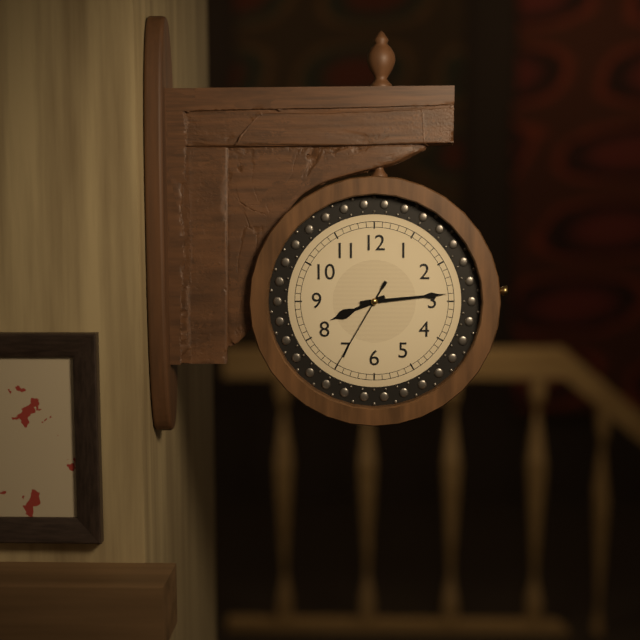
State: h=8 m=14 s=35
